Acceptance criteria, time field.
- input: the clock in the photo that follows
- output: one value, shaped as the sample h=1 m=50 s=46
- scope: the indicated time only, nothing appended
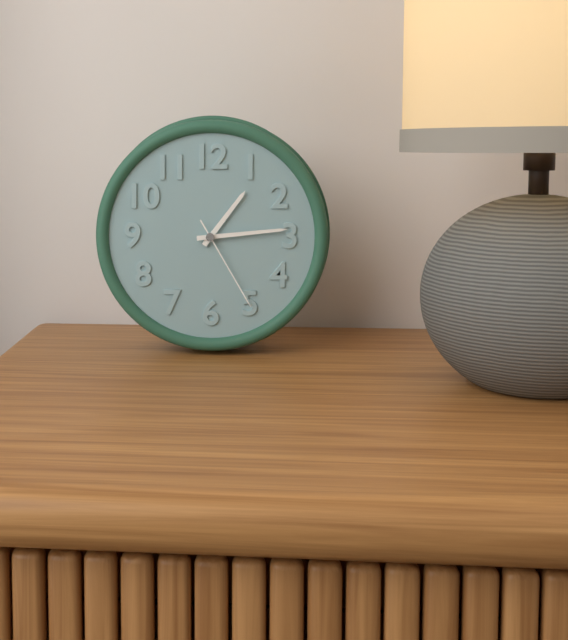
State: h=1 m=14 s=25
